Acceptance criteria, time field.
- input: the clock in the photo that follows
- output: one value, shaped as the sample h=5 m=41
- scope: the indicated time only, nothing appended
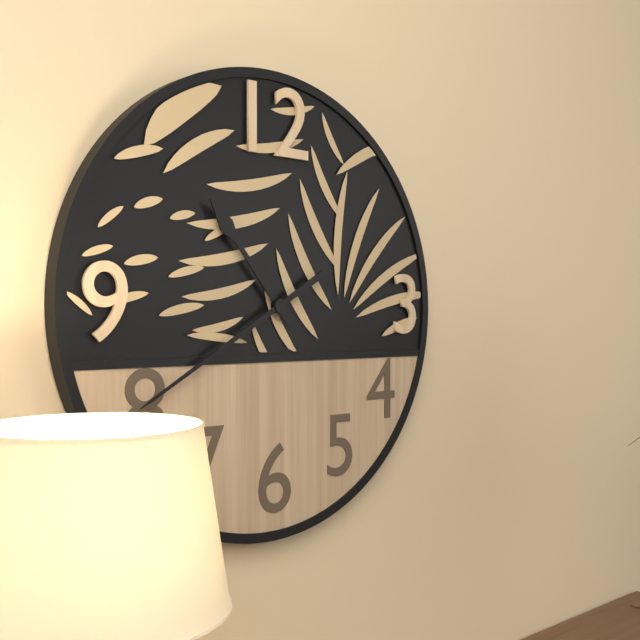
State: h=10 m=40
